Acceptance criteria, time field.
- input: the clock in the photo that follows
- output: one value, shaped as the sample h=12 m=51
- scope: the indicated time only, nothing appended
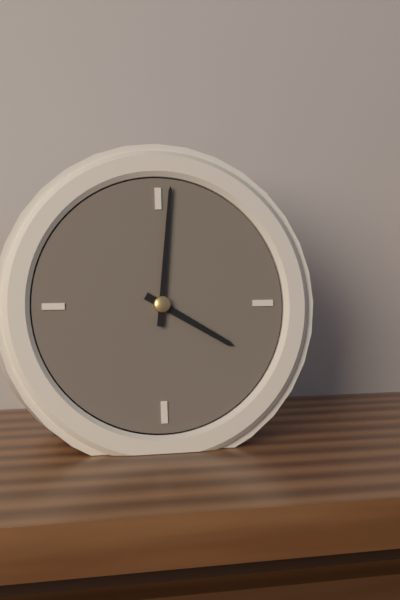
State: h=4 m=1
